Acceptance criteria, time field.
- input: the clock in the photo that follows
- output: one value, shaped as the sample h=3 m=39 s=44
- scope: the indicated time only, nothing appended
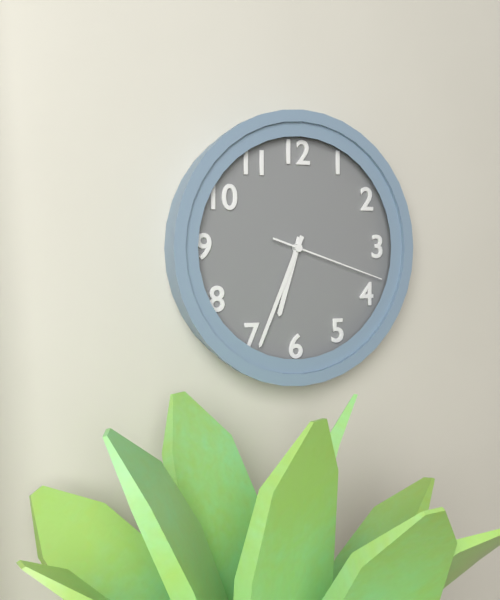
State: h=6 m=34 s=18
